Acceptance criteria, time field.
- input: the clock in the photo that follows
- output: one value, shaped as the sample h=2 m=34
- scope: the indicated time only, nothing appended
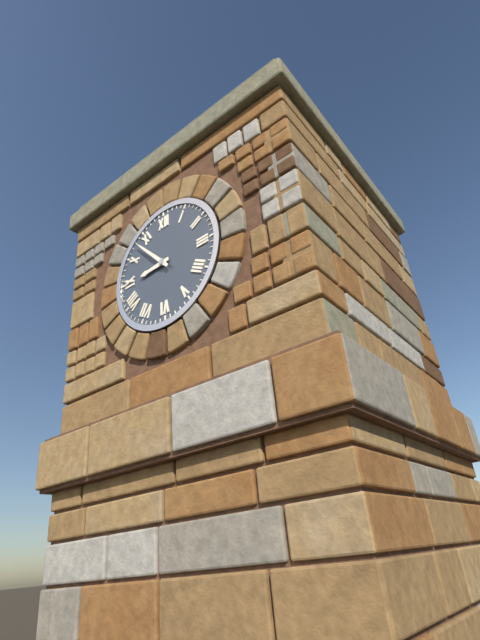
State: h=8 m=53
